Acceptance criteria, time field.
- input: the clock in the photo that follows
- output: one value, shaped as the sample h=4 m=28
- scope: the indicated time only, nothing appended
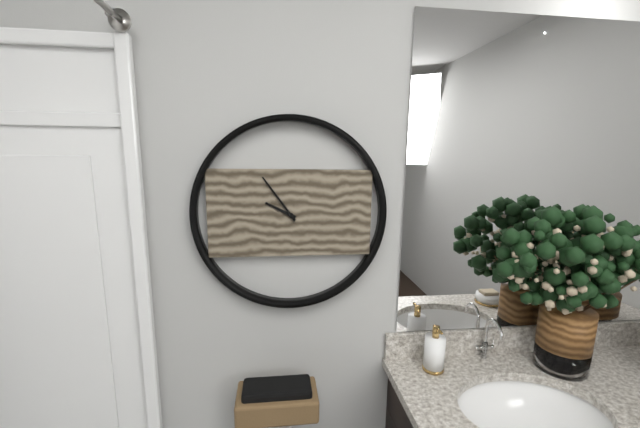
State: h=9 m=54
